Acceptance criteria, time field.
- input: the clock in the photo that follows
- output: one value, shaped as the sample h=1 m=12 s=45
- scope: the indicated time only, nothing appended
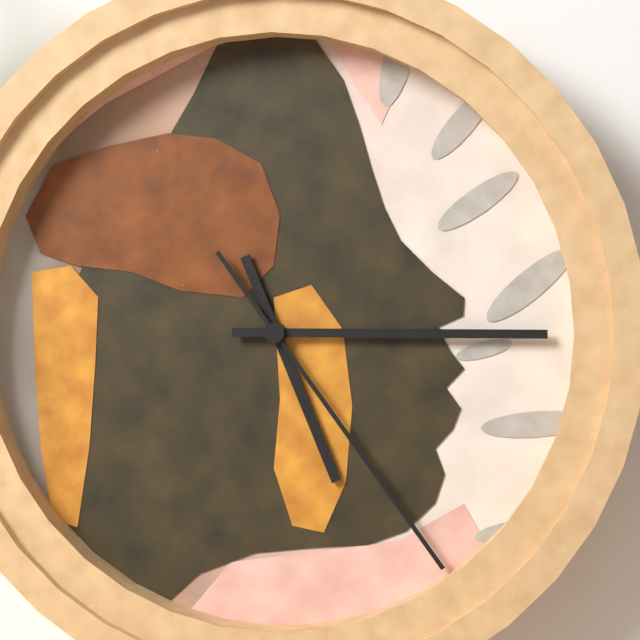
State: h=5 m=15 s=24
